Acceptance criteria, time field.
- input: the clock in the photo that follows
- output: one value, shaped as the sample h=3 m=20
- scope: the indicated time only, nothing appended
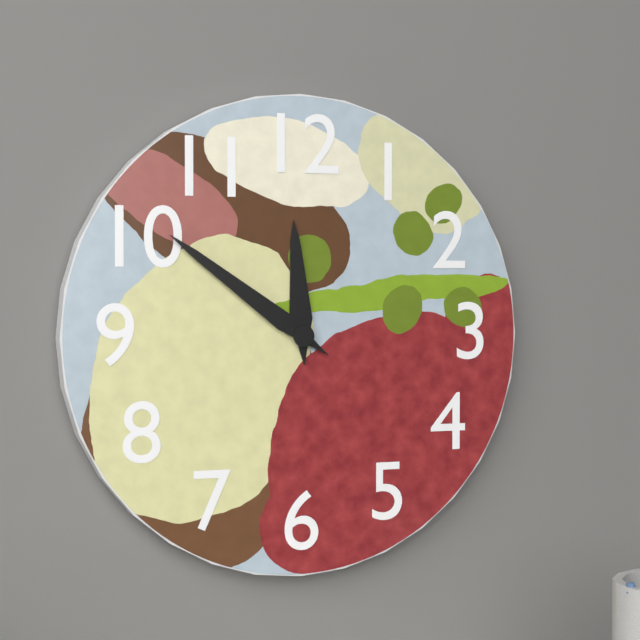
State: h=11 m=51
